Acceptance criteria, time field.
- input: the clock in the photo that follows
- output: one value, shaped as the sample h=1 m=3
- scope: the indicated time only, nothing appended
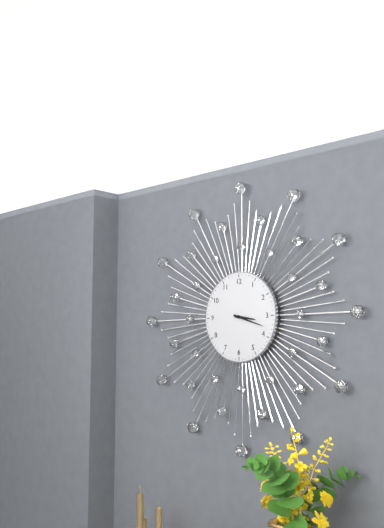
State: h=3 m=18
